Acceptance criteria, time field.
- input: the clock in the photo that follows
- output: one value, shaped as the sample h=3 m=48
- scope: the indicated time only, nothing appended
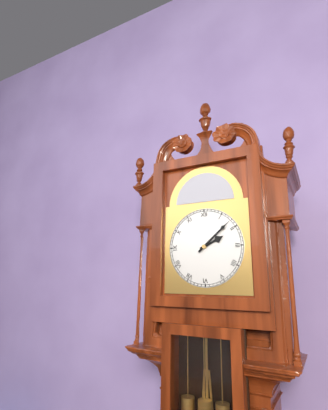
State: h=2 m=8
